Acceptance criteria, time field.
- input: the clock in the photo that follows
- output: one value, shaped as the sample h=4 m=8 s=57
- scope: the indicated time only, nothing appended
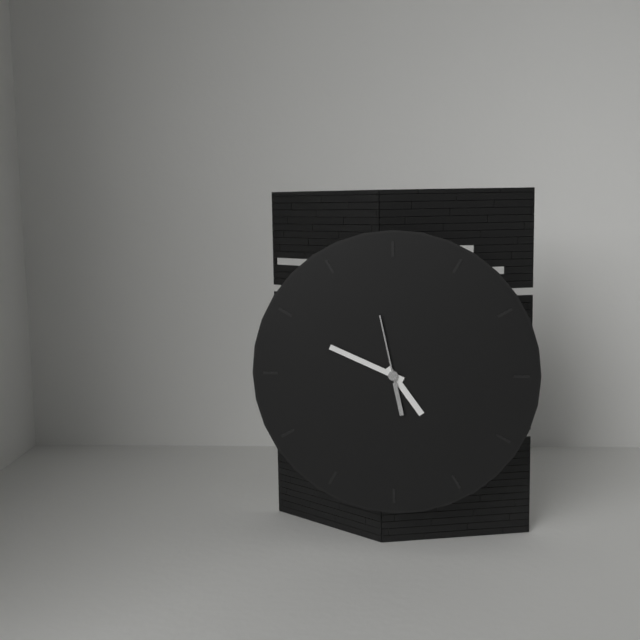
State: h=4 m=49 s=58
